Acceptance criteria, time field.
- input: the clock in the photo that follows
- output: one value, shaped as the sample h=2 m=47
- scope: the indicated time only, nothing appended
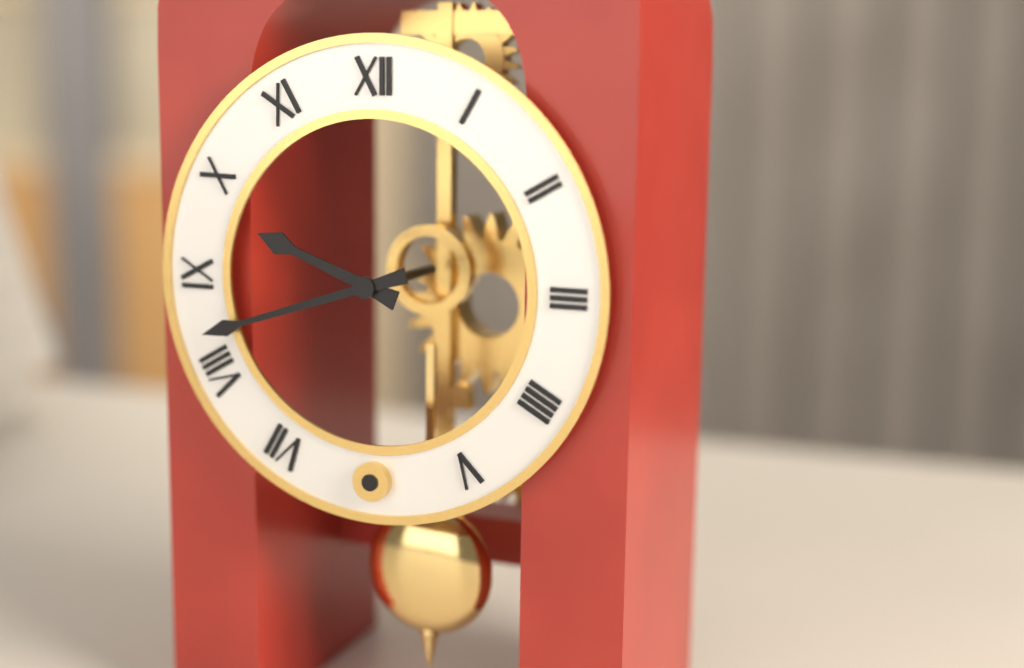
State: h=9 m=42
